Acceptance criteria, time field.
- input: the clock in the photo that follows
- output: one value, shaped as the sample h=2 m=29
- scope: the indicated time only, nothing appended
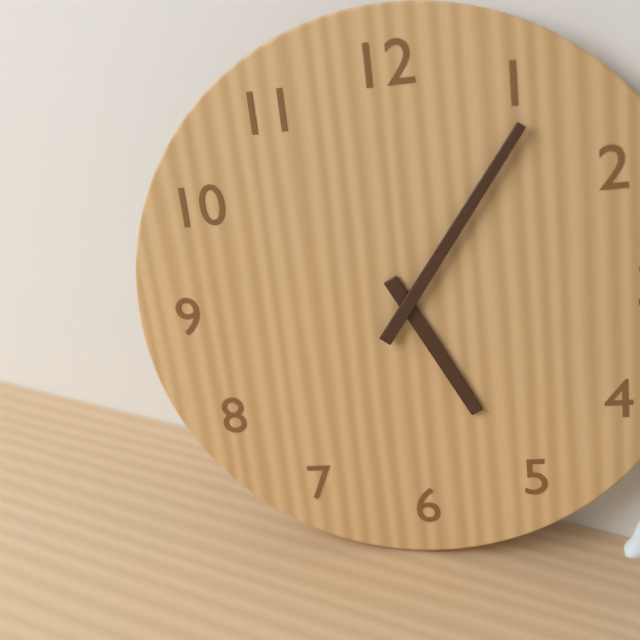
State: h=5 m=6
